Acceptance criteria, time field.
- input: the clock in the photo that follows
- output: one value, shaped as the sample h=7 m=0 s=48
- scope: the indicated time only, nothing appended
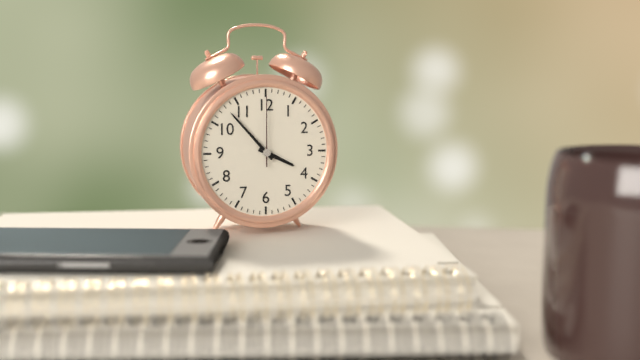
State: h=3 m=53 s=0
